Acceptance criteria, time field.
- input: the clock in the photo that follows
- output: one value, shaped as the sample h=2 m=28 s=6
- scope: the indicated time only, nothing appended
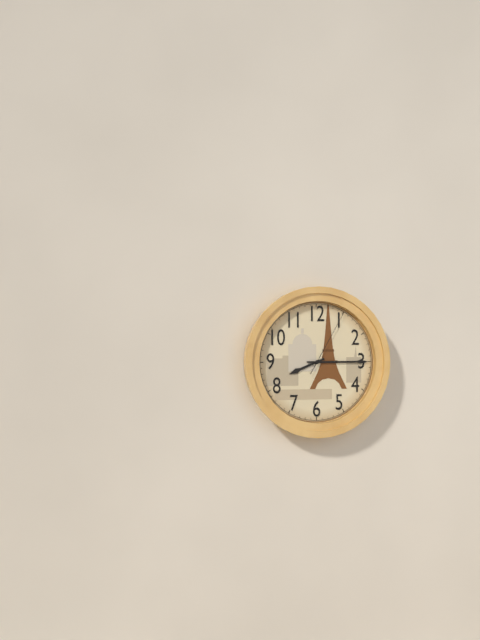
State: h=8 m=15 s=5
